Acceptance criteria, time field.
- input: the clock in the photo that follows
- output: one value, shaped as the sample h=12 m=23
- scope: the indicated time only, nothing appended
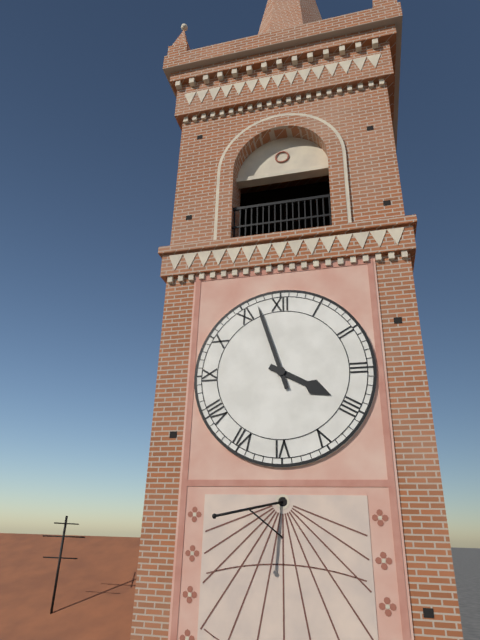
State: h=3 m=57
